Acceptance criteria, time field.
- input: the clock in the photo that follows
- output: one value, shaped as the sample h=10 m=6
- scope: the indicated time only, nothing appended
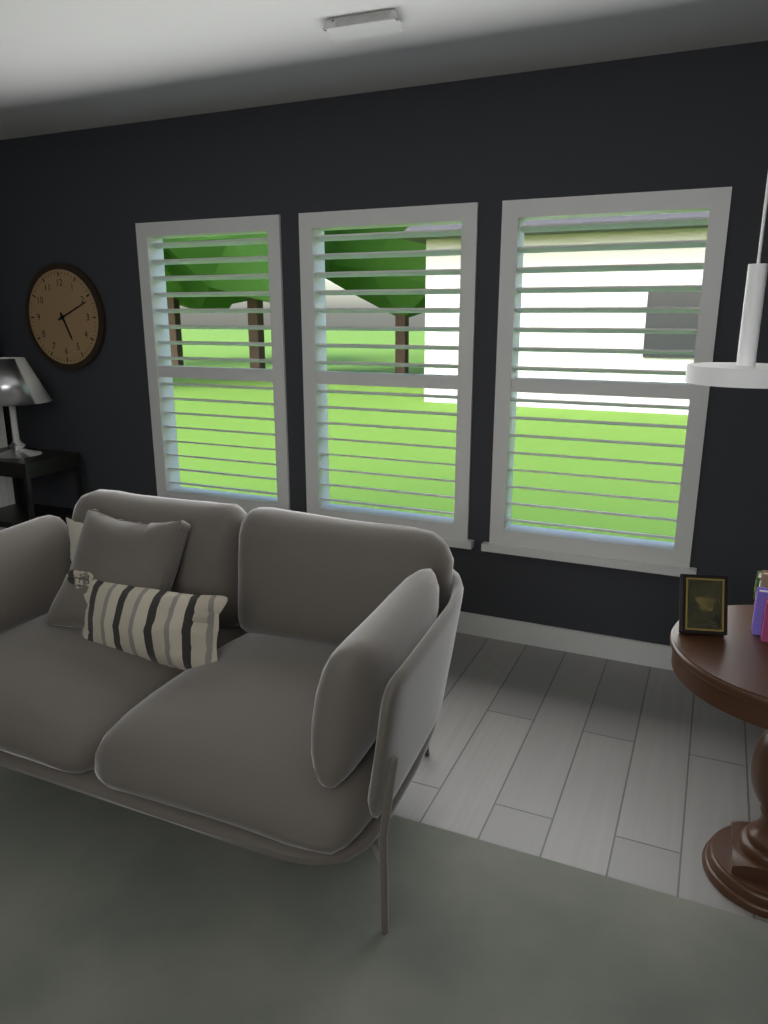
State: h=5 m=11
